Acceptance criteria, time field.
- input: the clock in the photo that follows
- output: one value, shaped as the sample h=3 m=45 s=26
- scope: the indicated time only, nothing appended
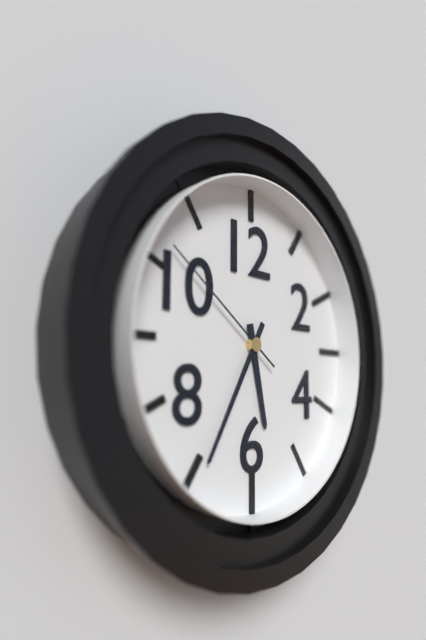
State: h=5 m=35 s=51
